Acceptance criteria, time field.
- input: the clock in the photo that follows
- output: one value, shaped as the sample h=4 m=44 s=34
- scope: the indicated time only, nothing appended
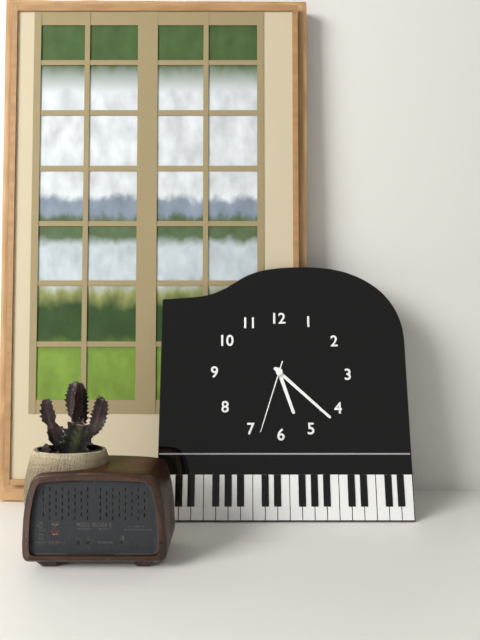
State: h=5 m=22 s=33
